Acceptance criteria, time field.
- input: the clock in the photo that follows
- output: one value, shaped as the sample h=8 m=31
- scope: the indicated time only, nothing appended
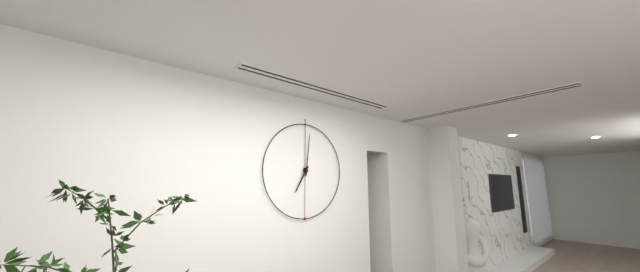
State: h=7 m=1
